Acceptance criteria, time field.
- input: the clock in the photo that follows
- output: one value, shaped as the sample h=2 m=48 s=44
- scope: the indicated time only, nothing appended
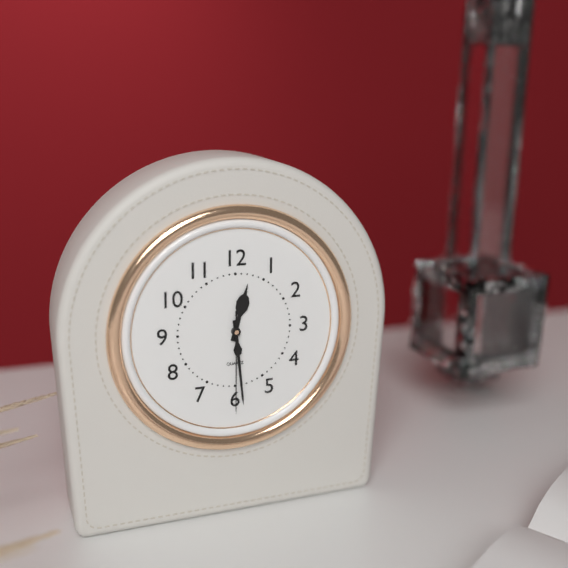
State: h=12 m=29 s=30
